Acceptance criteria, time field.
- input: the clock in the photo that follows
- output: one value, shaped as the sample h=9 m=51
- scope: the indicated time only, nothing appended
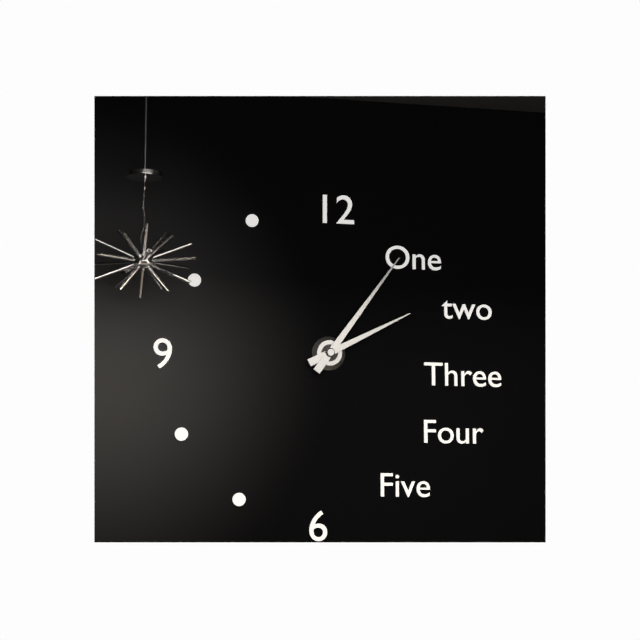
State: h=2 m=6
